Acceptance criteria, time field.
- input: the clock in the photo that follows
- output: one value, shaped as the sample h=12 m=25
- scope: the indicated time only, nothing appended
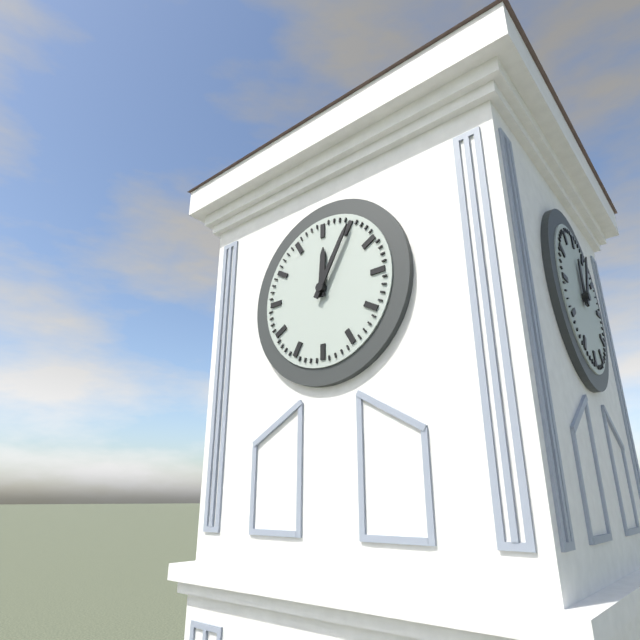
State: h=12 m=5
